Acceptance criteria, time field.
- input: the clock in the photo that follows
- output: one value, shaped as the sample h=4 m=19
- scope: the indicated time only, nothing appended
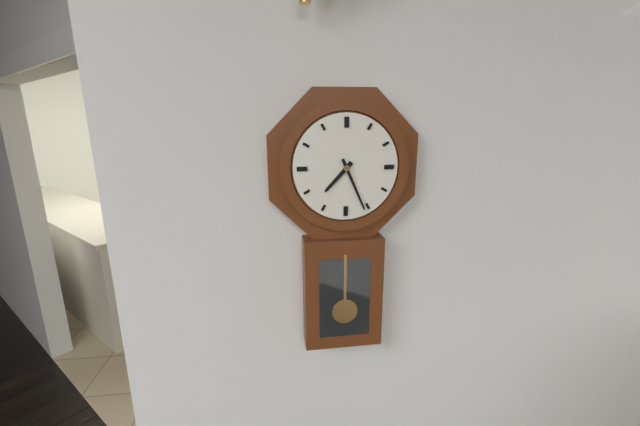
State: h=7 m=26
